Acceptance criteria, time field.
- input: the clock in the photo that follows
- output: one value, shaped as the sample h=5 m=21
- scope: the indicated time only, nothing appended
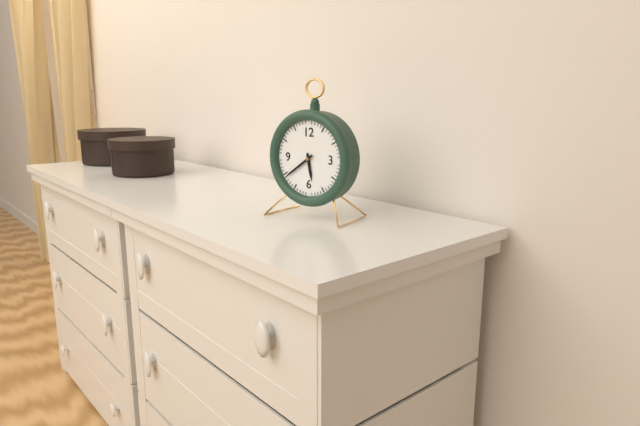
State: h=5 m=39
